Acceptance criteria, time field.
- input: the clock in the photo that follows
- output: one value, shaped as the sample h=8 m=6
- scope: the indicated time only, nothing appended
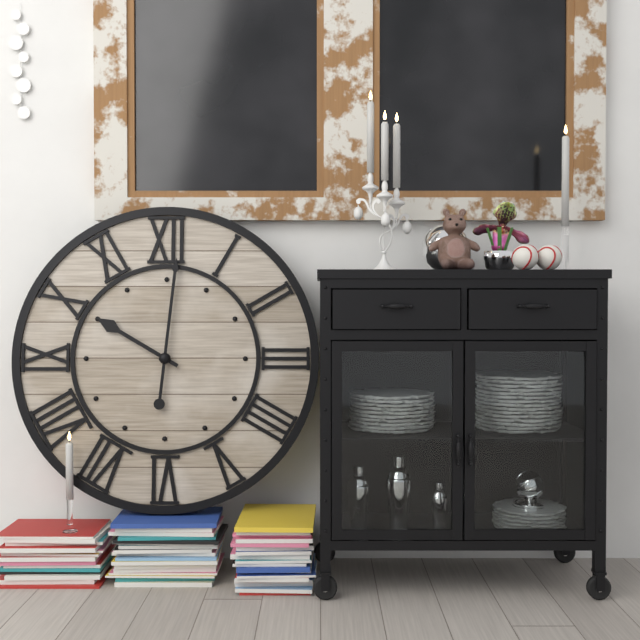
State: h=10 m=1
